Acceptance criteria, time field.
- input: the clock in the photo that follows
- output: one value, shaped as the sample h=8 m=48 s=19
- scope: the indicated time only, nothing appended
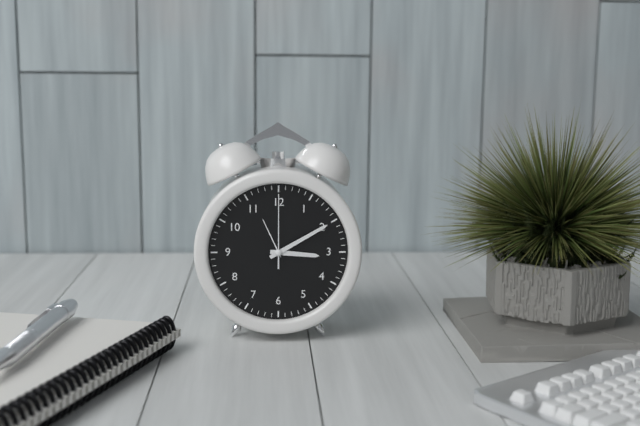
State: h=3 m=10 s=0
